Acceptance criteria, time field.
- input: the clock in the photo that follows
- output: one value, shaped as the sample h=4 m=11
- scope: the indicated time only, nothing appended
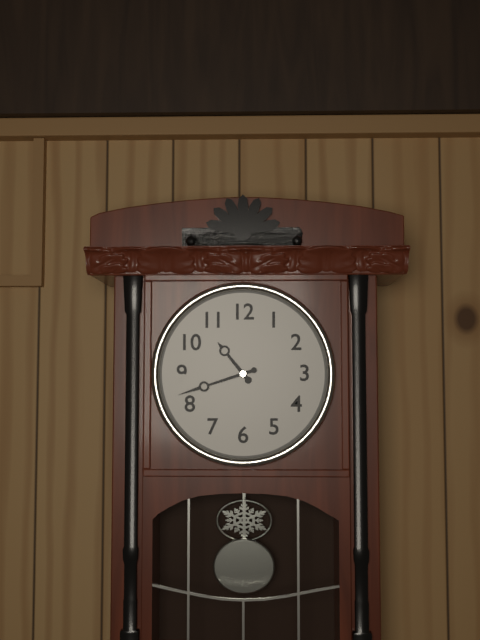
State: h=10 m=42
